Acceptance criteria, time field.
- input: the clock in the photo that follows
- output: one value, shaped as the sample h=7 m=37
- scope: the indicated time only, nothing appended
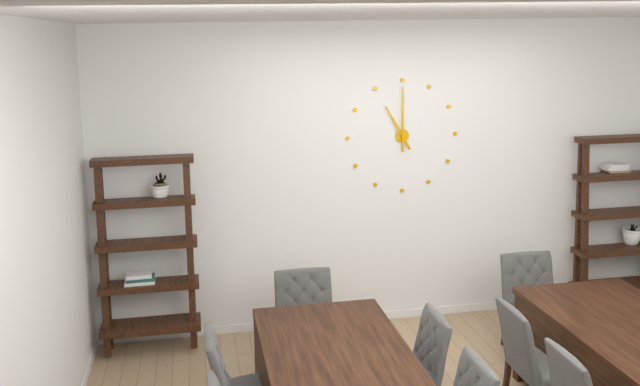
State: h=11 m=0
